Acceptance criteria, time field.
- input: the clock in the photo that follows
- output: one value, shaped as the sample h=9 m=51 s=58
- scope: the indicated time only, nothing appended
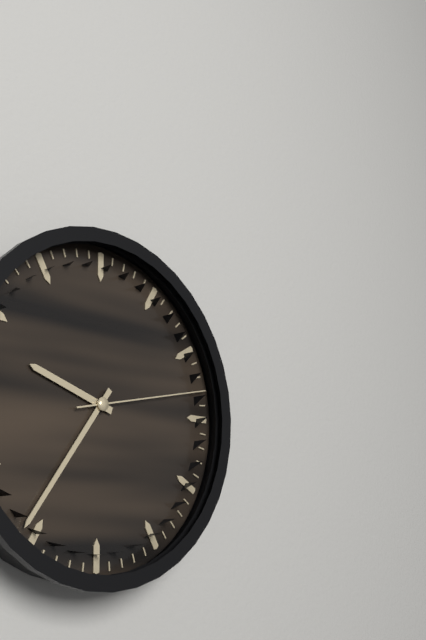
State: h=9 m=36 s=13
